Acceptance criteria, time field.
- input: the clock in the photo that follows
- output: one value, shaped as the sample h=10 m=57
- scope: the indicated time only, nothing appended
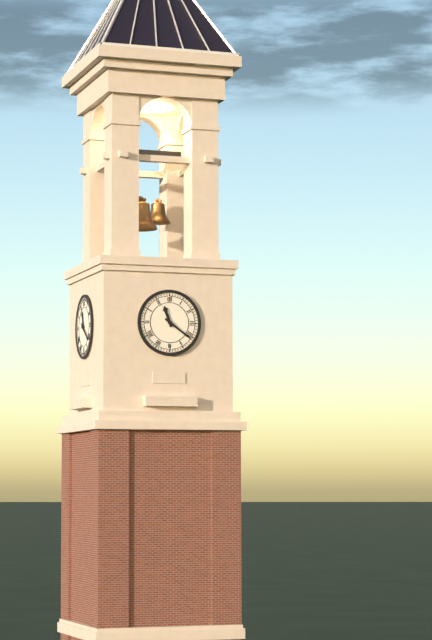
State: h=11 m=21
